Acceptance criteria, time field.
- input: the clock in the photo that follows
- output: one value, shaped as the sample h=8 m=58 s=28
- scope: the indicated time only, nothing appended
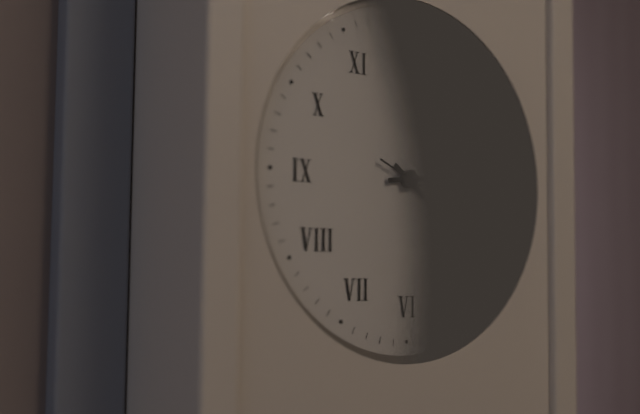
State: h=4 m=14 s=19
